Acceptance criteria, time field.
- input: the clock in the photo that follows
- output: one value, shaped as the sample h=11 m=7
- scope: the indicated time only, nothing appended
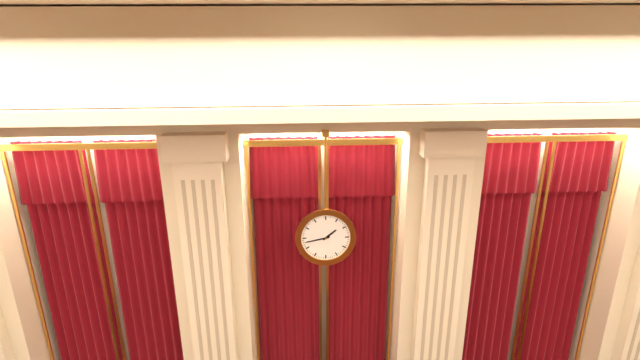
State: h=1 m=43
